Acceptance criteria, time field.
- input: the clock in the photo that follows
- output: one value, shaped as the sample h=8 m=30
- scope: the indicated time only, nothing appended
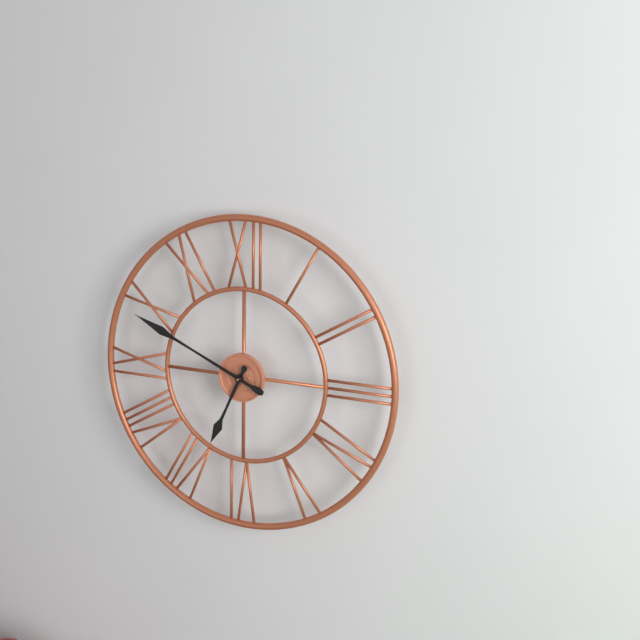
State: h=6 m=49
